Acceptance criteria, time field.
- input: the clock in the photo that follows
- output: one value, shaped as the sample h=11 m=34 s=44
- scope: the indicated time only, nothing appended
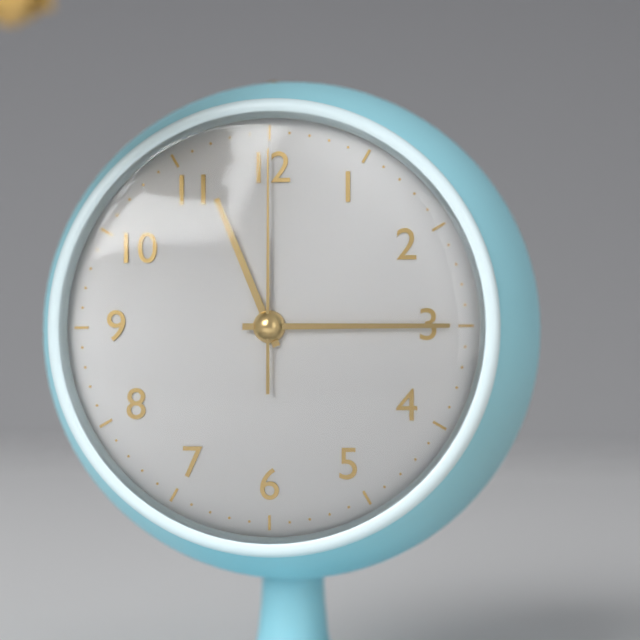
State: h=11 m=15 s=0
